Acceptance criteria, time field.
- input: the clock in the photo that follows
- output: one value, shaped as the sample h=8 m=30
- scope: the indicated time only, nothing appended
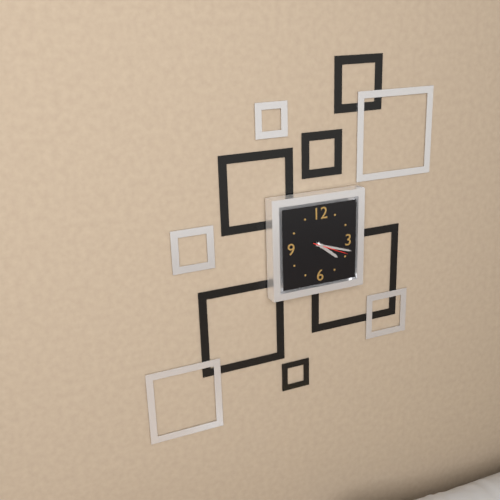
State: h=4 m=18
